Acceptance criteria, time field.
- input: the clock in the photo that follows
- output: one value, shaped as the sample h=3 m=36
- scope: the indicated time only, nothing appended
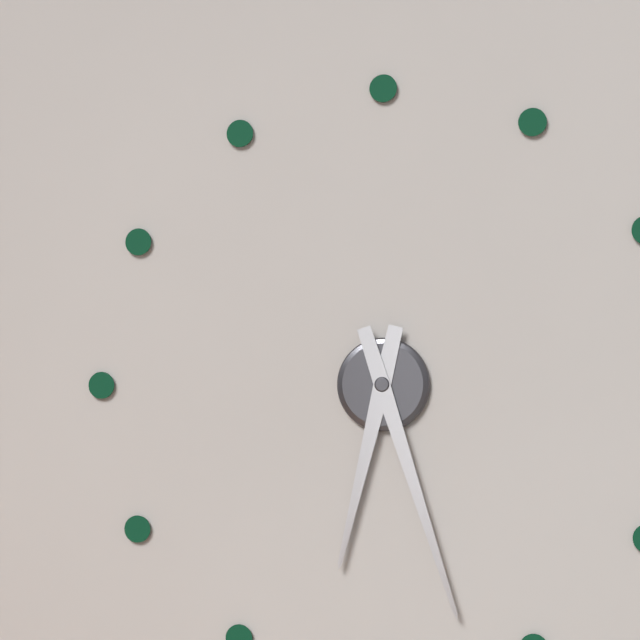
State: h=6 m=27
